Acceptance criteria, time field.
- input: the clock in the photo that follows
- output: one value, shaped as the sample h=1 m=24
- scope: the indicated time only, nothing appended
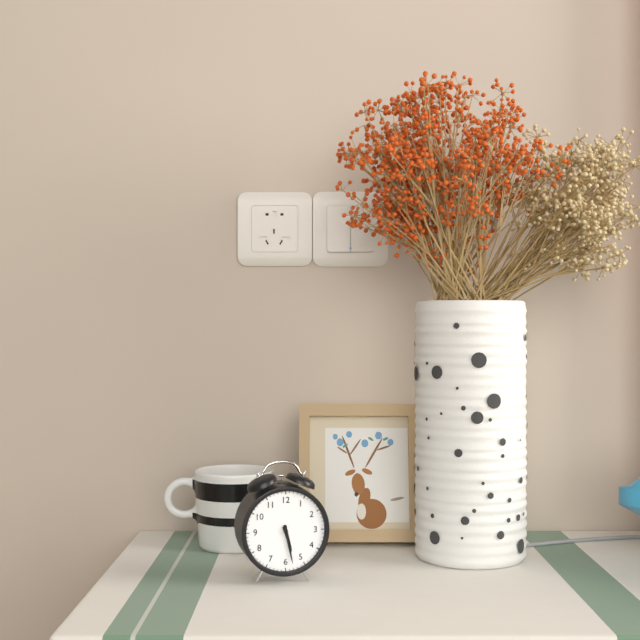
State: h=5 m=28
